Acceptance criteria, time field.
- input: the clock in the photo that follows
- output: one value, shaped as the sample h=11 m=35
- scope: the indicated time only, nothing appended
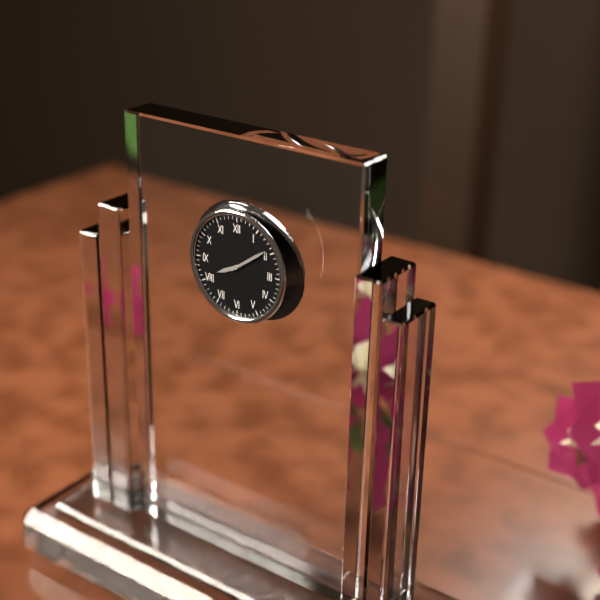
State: h=8 m=9
